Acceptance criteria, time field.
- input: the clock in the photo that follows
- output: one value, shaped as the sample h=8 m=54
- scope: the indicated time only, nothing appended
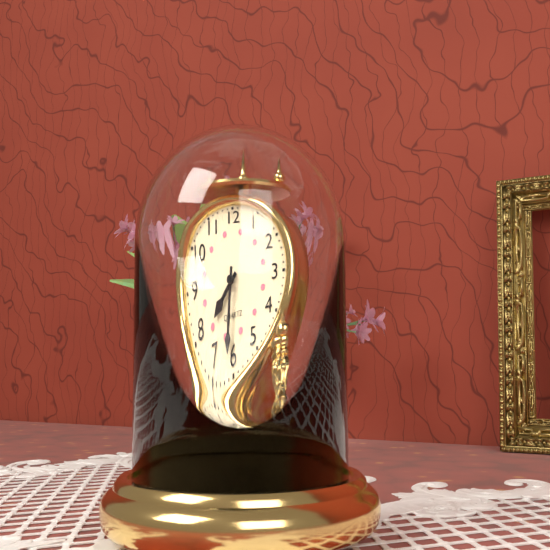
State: h=7 m=31
